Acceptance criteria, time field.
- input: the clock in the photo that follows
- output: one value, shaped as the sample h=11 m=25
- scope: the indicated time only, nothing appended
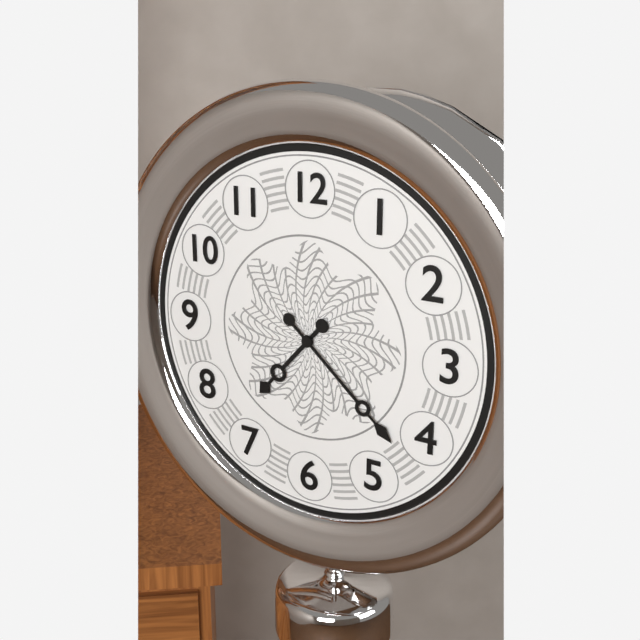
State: h=7 m=22
